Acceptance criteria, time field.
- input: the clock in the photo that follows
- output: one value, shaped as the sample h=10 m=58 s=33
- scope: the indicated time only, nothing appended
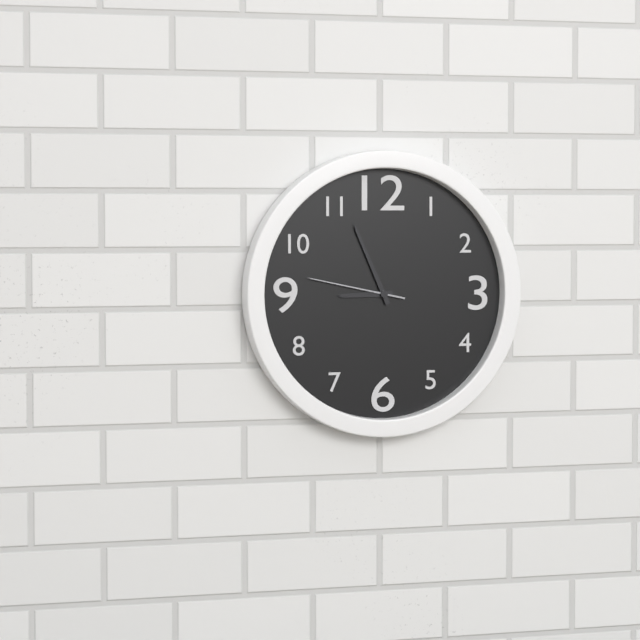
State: h=8 m=56 s=47
